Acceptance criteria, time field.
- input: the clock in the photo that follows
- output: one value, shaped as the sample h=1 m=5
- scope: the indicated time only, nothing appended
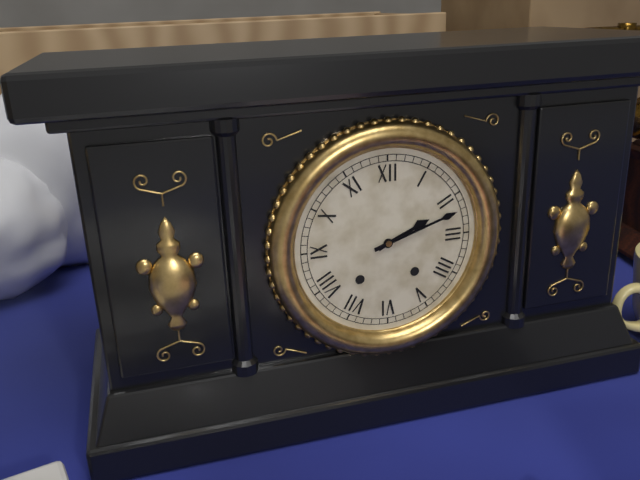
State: h=2 m=12
